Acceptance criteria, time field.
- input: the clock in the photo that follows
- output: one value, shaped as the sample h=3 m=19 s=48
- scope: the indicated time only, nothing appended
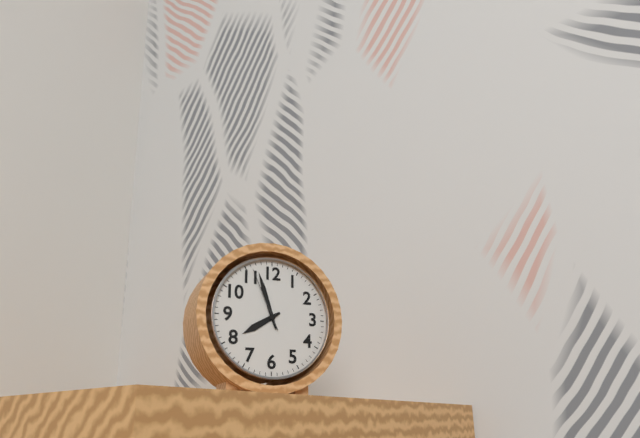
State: h=7 m=57 s=56
